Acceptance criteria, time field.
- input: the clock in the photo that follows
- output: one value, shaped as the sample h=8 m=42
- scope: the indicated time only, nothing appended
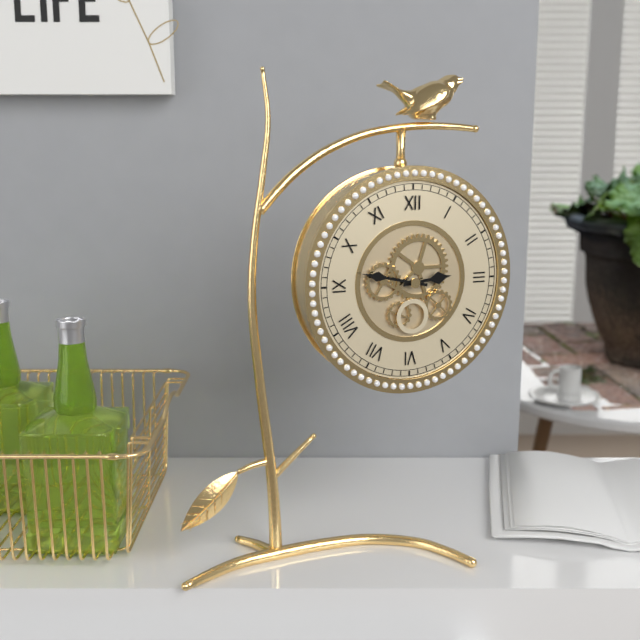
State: h=2 m=47
